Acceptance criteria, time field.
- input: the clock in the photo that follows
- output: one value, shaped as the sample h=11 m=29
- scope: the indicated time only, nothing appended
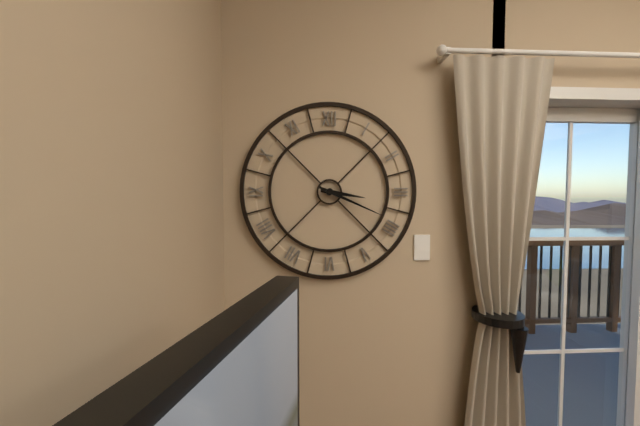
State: h=3 m=19
